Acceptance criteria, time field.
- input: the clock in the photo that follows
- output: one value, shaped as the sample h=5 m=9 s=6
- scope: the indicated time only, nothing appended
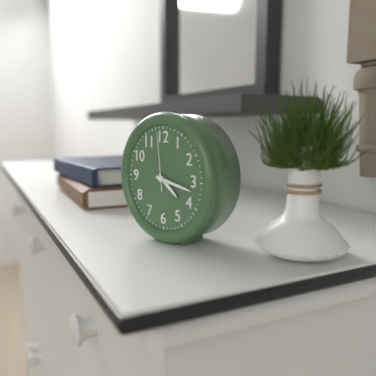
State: h=4 m=17 s=59
